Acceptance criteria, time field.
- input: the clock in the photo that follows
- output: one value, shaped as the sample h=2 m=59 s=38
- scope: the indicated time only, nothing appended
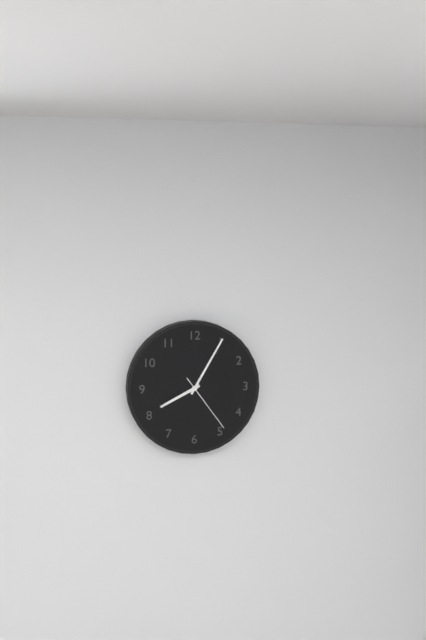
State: h=8 m=5 s=24
